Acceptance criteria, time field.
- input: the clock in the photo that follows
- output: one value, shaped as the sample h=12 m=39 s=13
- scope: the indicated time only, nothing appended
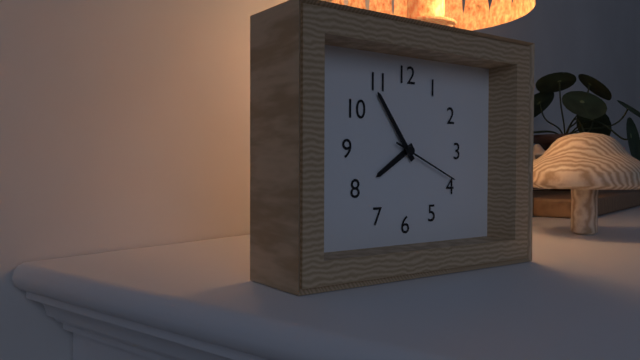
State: h=7 m=54 s=19
